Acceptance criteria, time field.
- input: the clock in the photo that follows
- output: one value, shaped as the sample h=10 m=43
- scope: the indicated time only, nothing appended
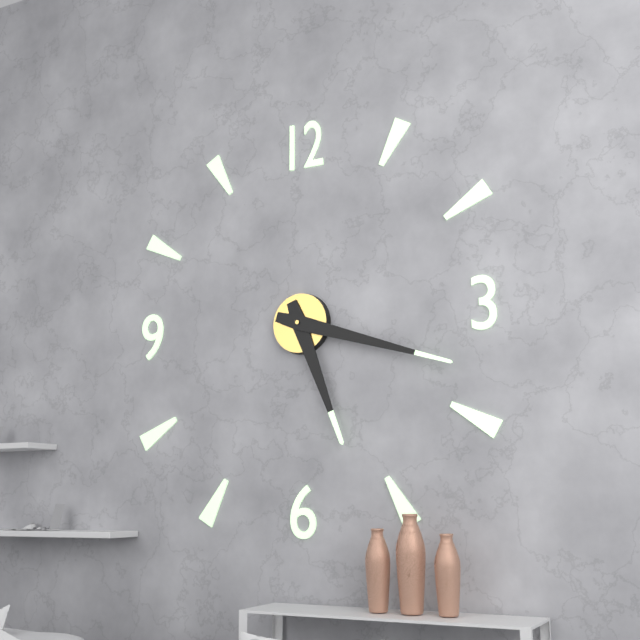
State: h=5 m=18
